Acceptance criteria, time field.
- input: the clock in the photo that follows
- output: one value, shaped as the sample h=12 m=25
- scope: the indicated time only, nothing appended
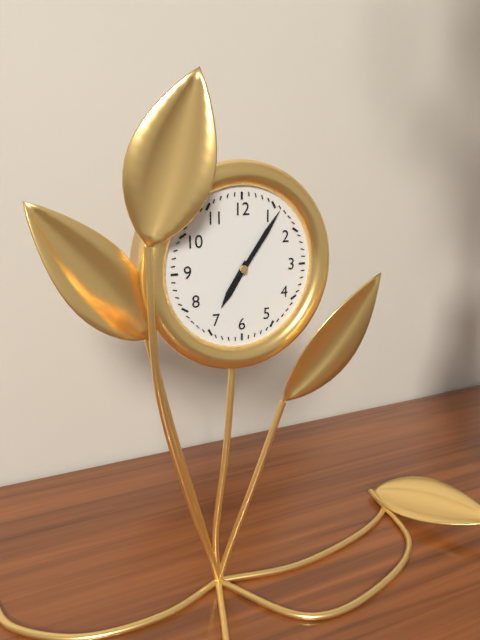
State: h=7 m=6
